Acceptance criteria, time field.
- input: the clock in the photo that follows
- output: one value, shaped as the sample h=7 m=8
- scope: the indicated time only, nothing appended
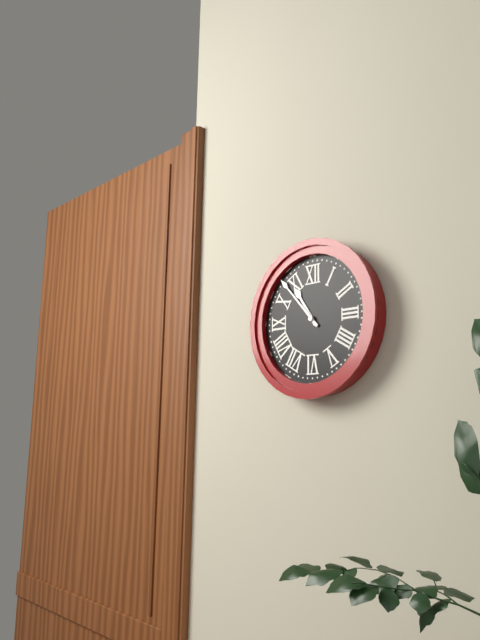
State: h=10 m=53
